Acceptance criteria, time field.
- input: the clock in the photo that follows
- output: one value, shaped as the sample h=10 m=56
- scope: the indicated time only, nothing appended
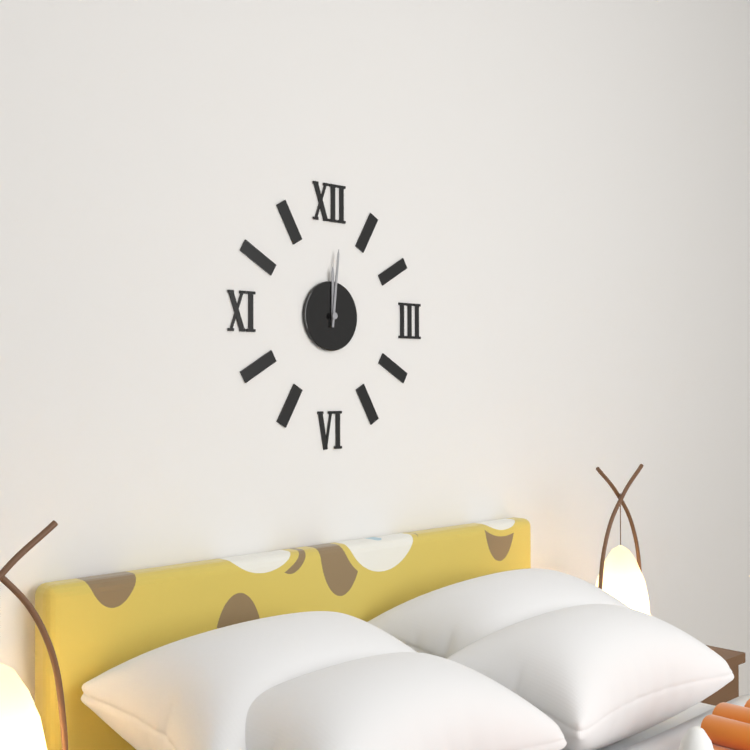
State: h=12 m=1
